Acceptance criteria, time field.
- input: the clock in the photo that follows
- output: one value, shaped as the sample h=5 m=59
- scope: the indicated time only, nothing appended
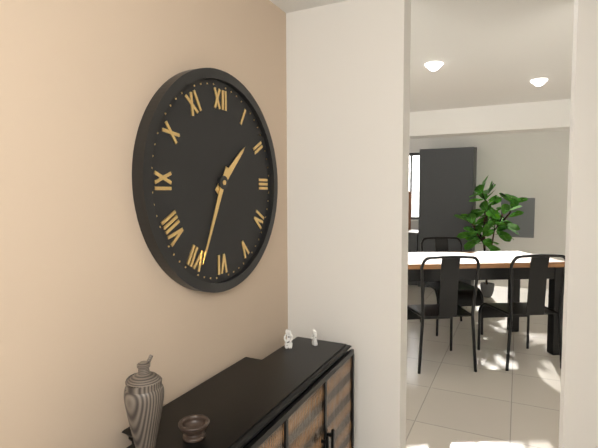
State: h=1 m=34
